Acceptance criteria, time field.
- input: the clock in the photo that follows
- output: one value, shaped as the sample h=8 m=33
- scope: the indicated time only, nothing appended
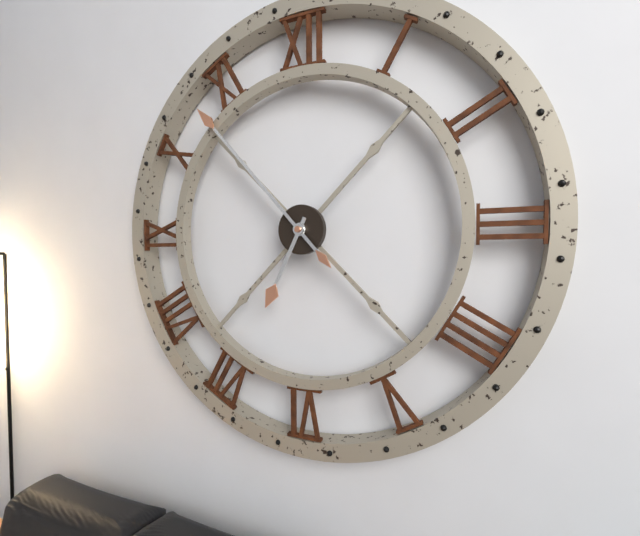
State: h=6 m=53
